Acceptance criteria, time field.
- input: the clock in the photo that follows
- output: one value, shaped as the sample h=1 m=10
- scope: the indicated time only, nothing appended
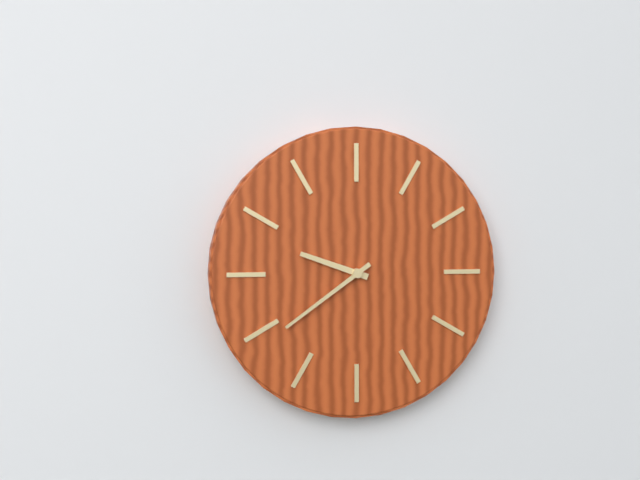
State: h=9 m=39
